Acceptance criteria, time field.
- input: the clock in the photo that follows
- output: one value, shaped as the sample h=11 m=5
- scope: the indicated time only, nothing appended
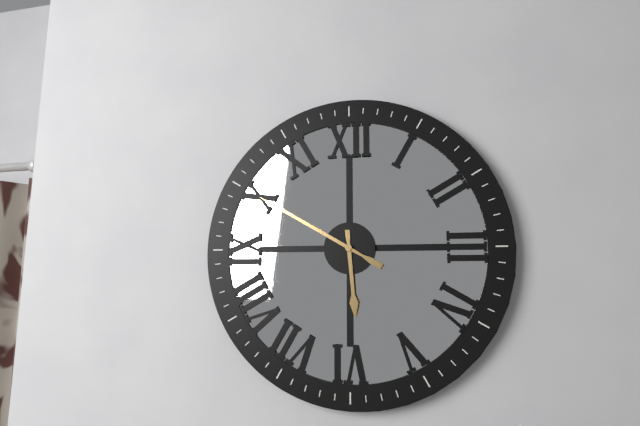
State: h=5 m=50
